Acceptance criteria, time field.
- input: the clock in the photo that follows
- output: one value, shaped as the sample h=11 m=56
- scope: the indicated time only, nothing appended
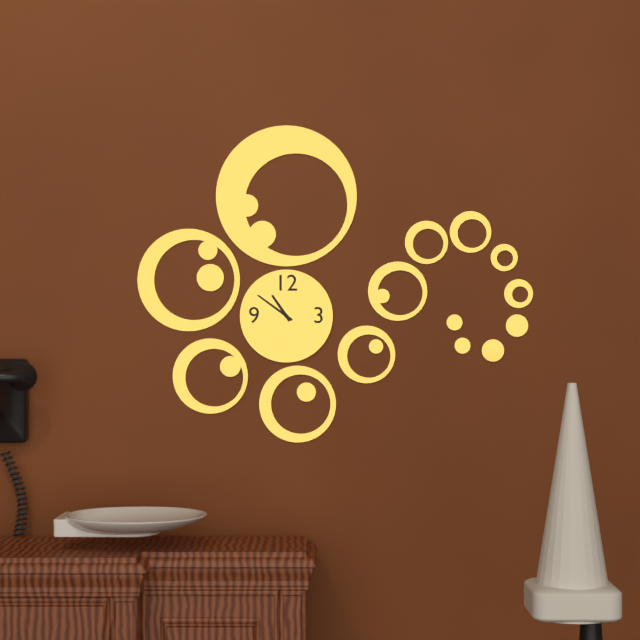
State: h=10 m=51
